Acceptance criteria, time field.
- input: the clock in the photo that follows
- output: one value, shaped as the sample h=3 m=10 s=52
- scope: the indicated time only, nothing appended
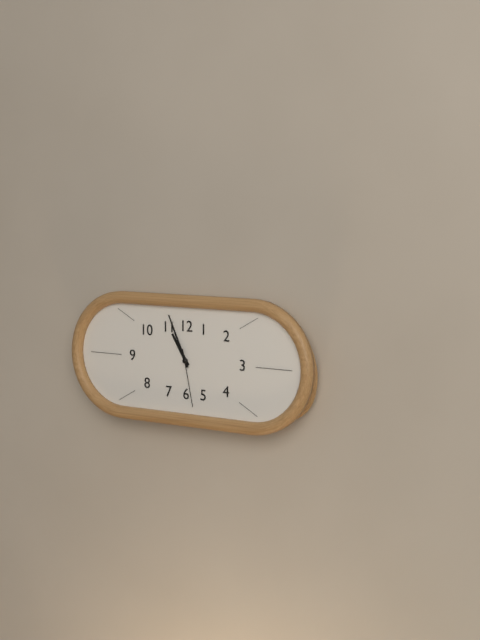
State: h=10 m=56 s=28
